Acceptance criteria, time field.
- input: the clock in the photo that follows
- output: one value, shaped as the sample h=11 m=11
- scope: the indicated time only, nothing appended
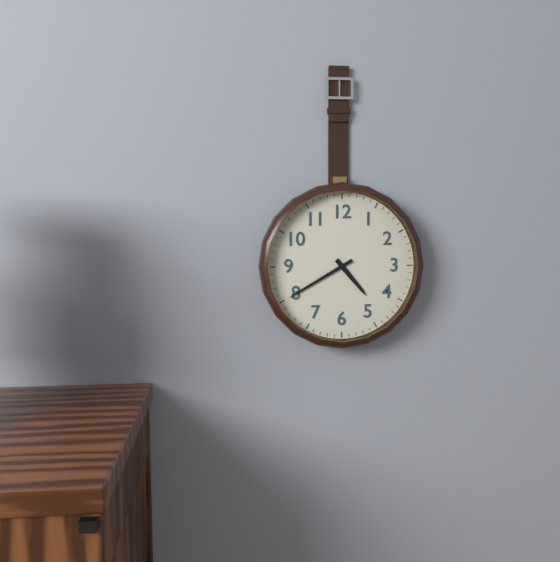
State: h=4 m=40
